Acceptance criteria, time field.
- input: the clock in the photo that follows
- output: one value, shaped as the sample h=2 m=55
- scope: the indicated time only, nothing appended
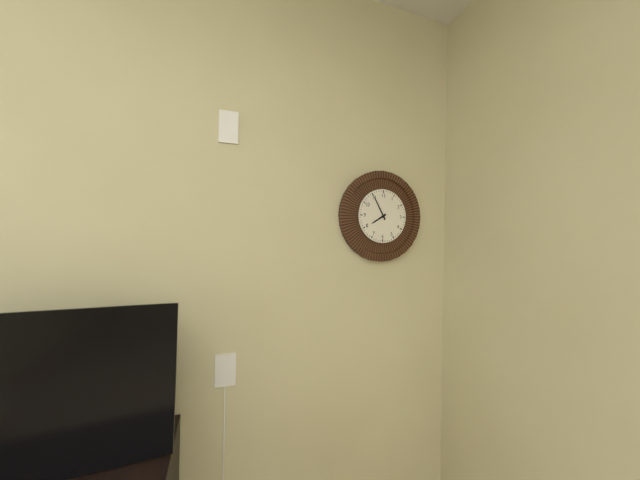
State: h=7 m=55
